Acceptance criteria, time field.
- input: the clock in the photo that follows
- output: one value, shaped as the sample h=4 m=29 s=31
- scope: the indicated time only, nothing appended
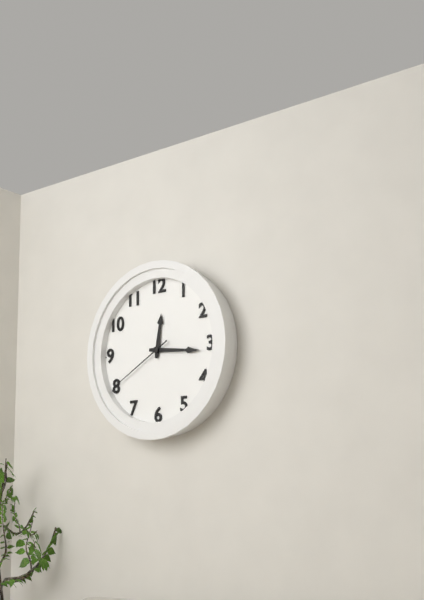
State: h=12 m=16 s=40
